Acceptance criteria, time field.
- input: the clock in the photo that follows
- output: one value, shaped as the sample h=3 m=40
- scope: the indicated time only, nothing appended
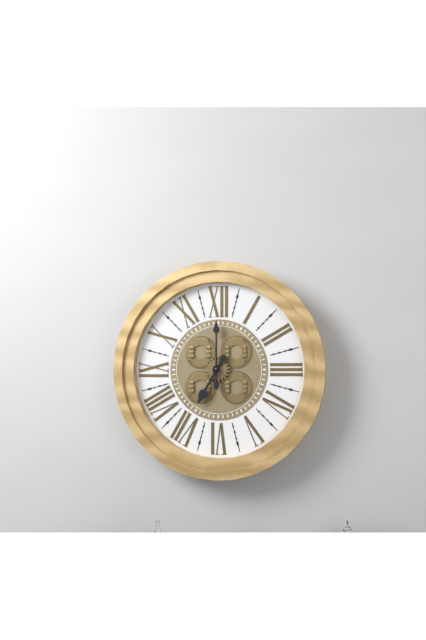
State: h=7 m=0
